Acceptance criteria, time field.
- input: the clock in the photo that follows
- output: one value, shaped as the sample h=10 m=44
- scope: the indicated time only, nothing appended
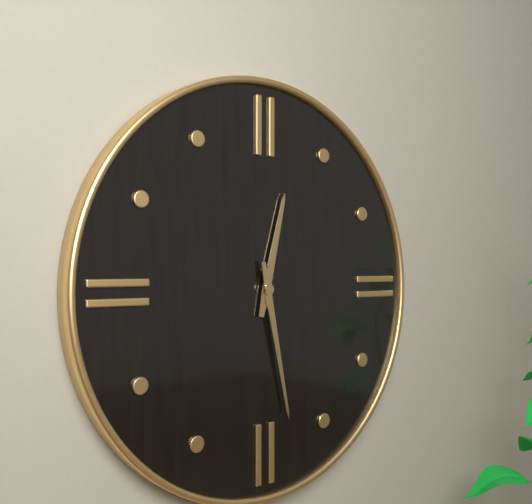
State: h=12 m=28
